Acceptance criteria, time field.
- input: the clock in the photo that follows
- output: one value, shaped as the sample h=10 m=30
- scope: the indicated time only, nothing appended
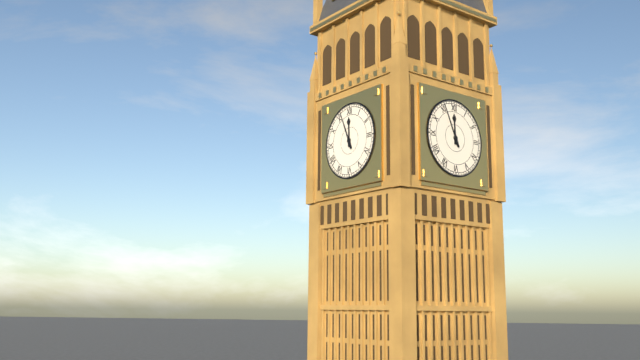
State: h=11 m=56
